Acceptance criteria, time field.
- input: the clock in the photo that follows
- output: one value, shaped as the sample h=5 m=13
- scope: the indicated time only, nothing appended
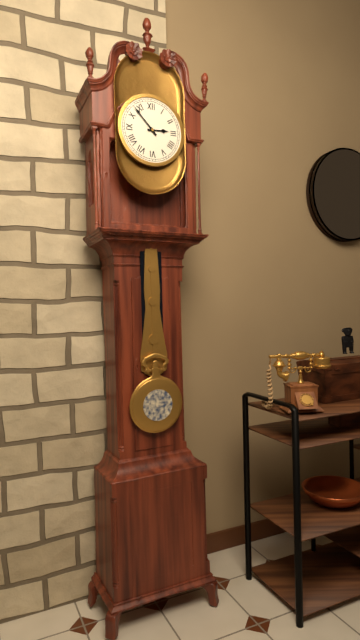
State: h=2 m=53
